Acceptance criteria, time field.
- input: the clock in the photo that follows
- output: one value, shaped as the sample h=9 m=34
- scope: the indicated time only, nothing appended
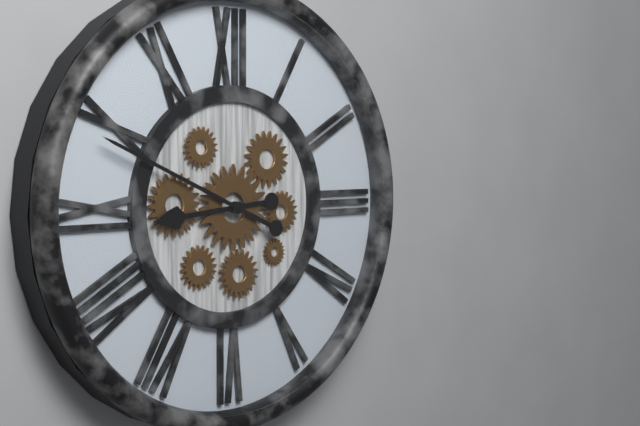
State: h=8 m=49
